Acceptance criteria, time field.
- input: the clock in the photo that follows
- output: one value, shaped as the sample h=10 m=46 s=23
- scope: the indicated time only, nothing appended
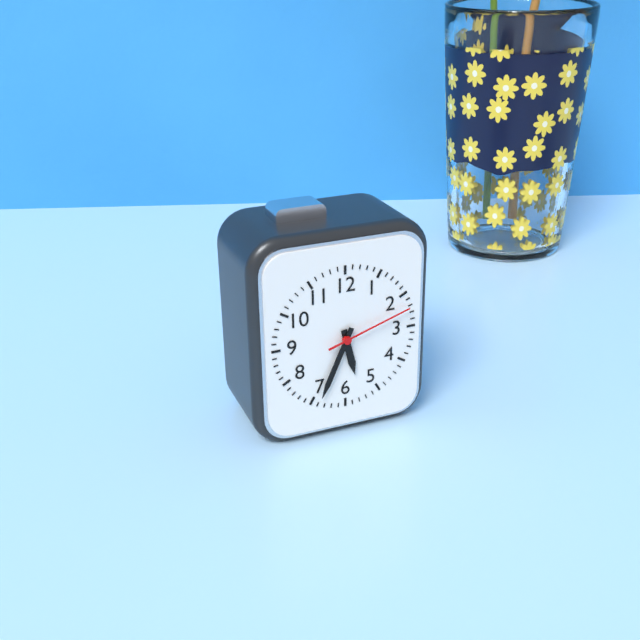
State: h=5 m=34 s=12
